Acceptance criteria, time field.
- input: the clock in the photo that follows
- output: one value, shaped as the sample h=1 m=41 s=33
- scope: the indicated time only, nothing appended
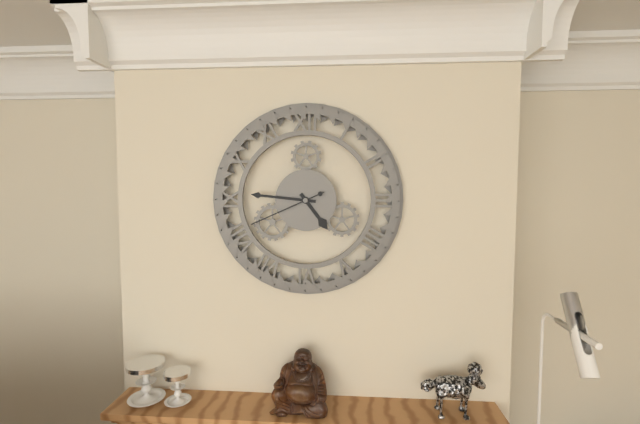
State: h=4 m=46 s=41
